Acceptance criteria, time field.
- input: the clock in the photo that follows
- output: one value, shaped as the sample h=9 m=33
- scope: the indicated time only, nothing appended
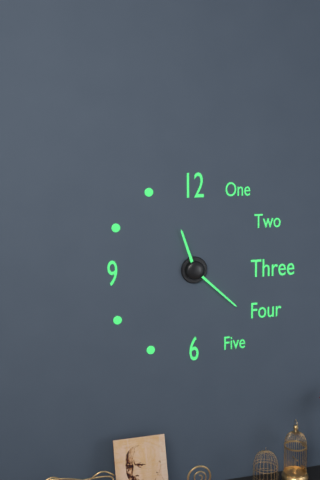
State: h=11 m=22
